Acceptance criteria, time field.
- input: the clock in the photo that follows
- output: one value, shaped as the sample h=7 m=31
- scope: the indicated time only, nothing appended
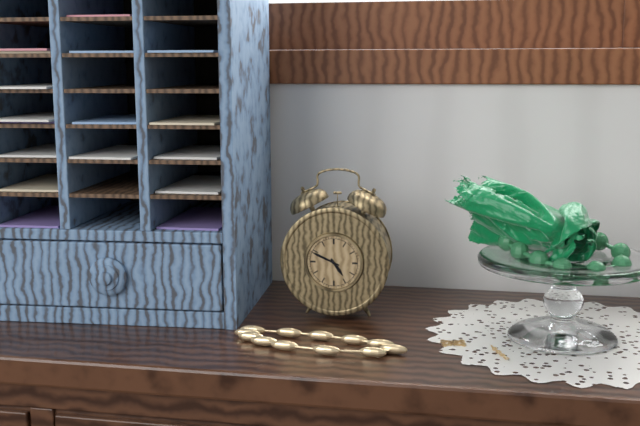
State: h=4 m=49
